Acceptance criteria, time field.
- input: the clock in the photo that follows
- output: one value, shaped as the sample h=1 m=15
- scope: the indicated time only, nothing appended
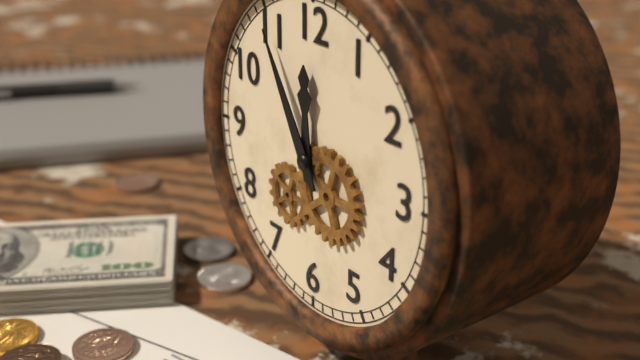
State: h=11 m=55
